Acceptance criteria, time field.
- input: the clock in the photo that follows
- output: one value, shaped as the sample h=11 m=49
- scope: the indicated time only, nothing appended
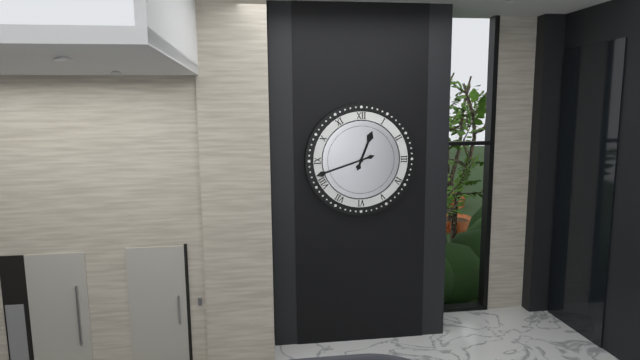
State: h=12 m=42
